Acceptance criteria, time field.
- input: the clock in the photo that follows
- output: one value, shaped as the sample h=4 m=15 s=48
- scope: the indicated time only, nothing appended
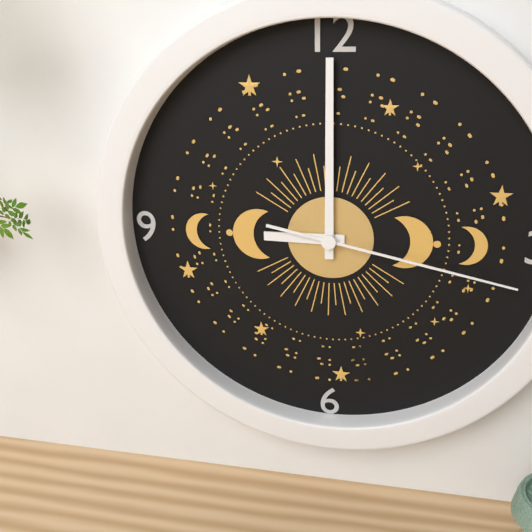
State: h=9 m=0 s=17
